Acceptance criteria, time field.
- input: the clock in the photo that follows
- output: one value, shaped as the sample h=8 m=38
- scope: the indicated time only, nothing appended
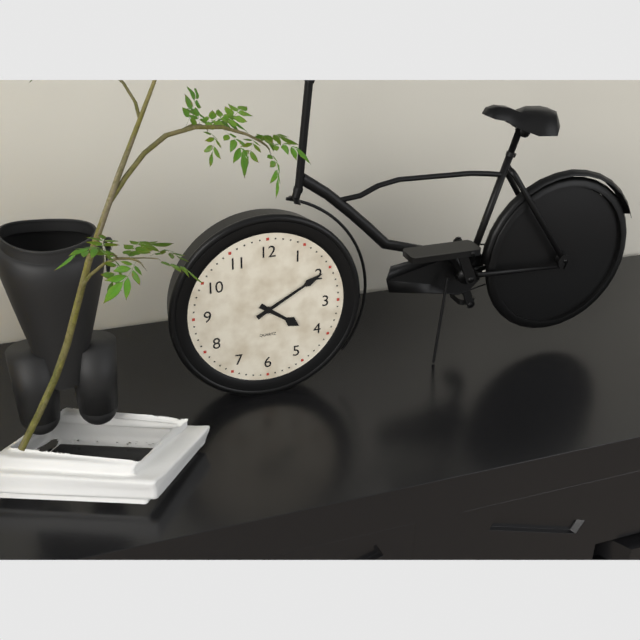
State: h=4 m=10
